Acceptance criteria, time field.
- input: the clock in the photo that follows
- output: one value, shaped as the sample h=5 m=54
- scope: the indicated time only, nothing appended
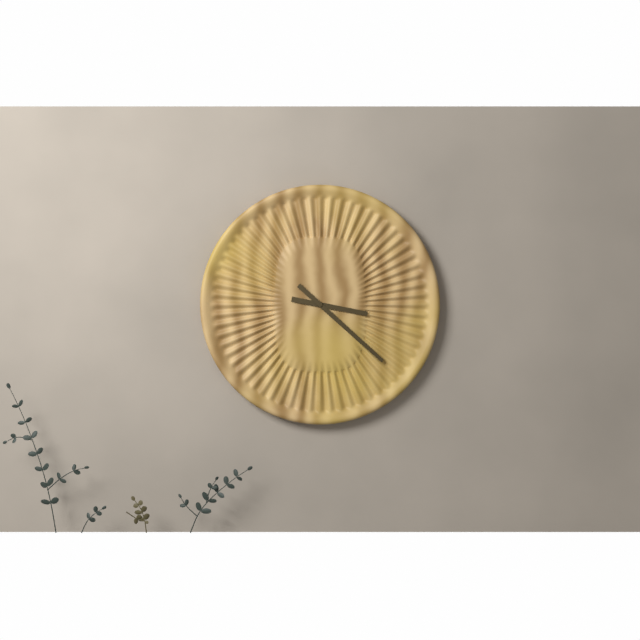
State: h=3 m=22
